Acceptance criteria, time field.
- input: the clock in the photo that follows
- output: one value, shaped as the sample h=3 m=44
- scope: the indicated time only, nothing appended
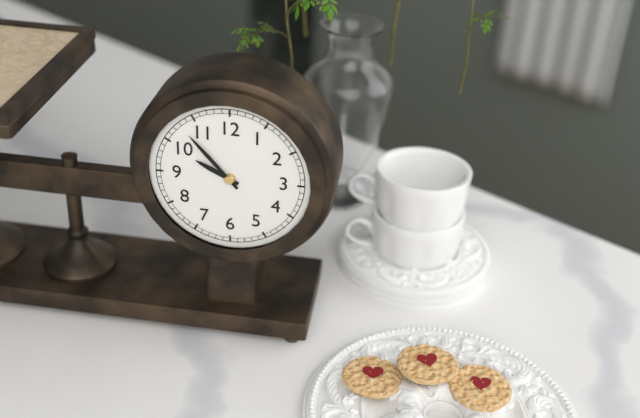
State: h=9 m=53
